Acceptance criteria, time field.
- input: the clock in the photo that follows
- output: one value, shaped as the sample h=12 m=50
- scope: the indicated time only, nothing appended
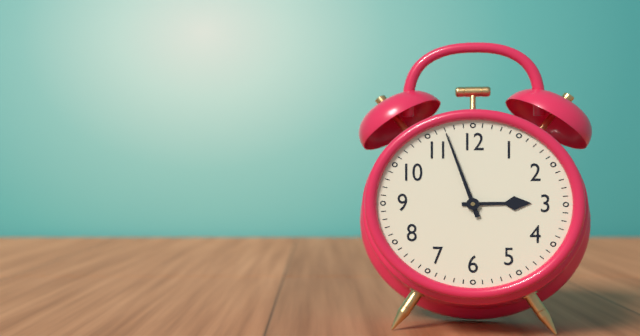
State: h=2 m=57
